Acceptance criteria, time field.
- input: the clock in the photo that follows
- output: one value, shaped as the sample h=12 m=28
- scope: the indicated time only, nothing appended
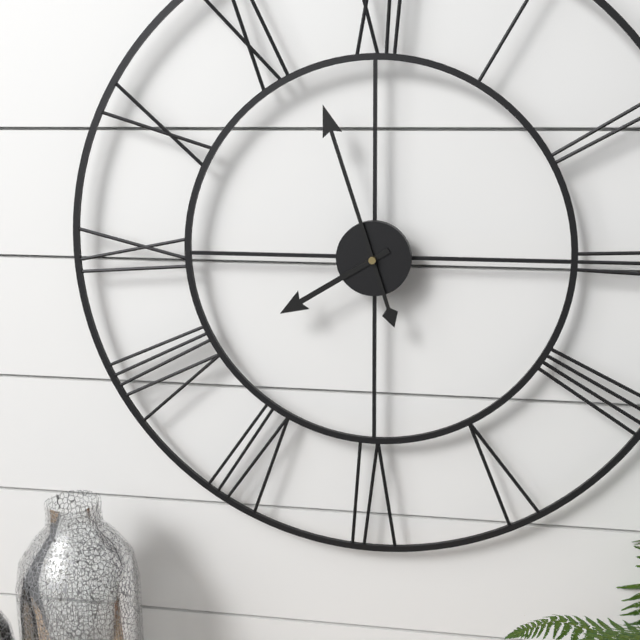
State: h=7 m=57
